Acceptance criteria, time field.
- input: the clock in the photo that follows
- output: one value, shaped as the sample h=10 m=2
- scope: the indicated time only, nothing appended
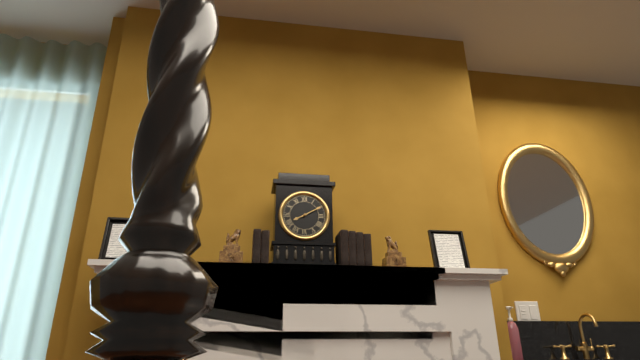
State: h=8 m=10
